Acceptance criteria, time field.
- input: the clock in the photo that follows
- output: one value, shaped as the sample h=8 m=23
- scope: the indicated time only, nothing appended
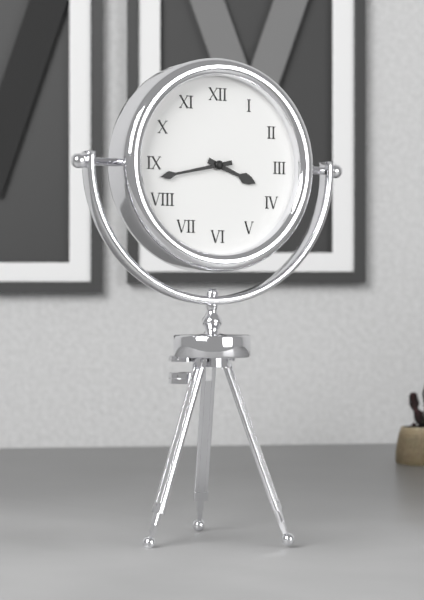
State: h=3 m=43
